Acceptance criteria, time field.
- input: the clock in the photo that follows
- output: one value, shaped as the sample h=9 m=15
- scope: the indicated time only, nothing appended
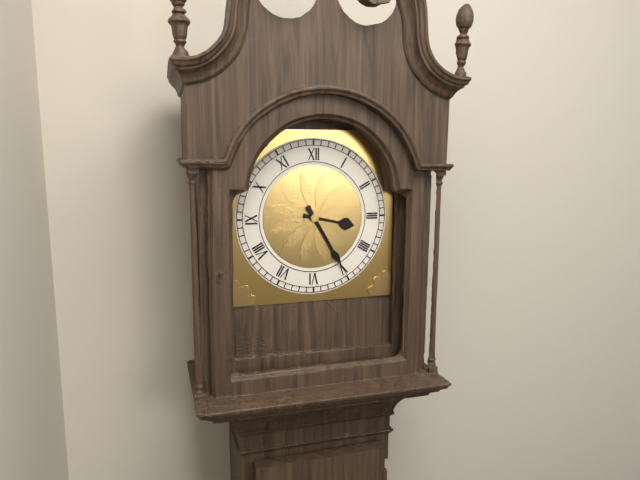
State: h=3 m=25
